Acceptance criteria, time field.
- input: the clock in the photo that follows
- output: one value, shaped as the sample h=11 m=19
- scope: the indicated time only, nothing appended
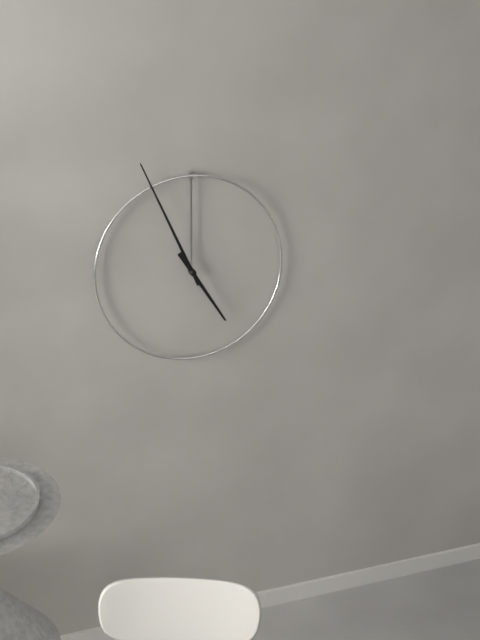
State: h=4 m=56
